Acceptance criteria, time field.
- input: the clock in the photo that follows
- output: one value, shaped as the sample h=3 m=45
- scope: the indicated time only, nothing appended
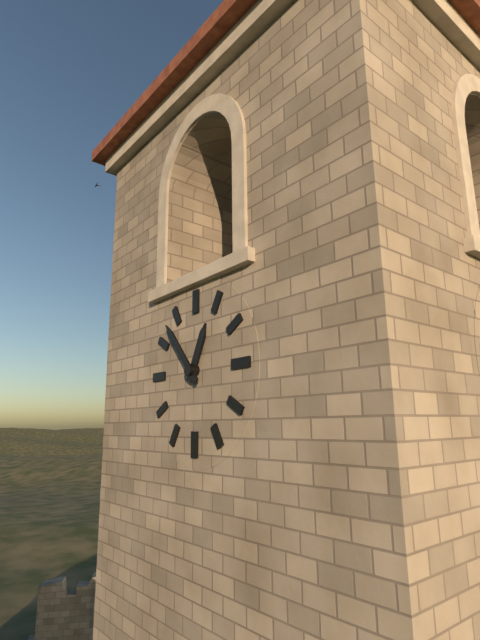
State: h=12 m=53
